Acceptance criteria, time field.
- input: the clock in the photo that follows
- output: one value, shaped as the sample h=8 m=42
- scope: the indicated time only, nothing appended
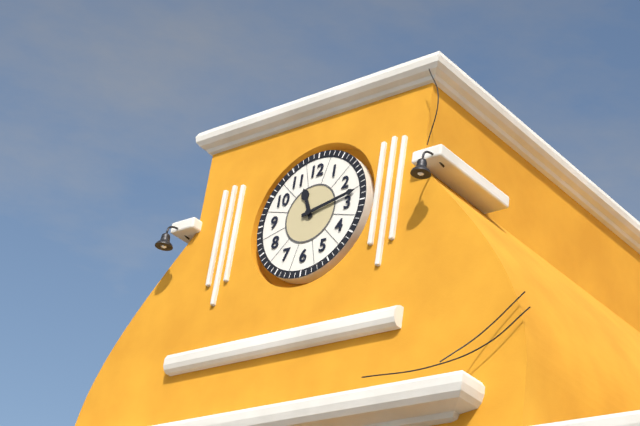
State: h=11 m=13
